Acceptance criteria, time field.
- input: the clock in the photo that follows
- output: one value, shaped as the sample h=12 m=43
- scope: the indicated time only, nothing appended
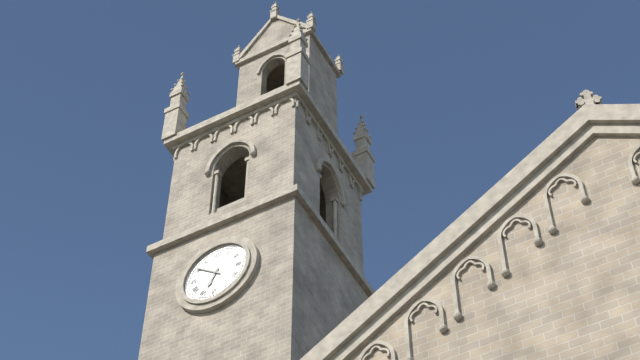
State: h=6 m=51
